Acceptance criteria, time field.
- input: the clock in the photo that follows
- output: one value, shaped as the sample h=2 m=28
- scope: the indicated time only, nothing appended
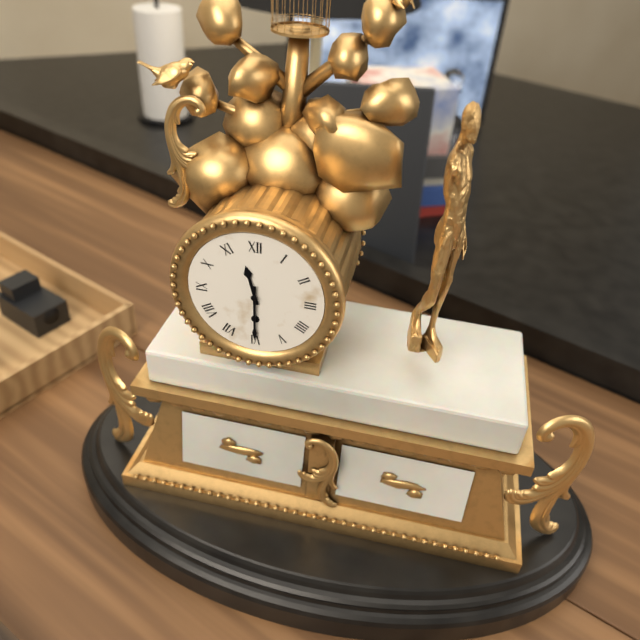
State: h=11 m=30
